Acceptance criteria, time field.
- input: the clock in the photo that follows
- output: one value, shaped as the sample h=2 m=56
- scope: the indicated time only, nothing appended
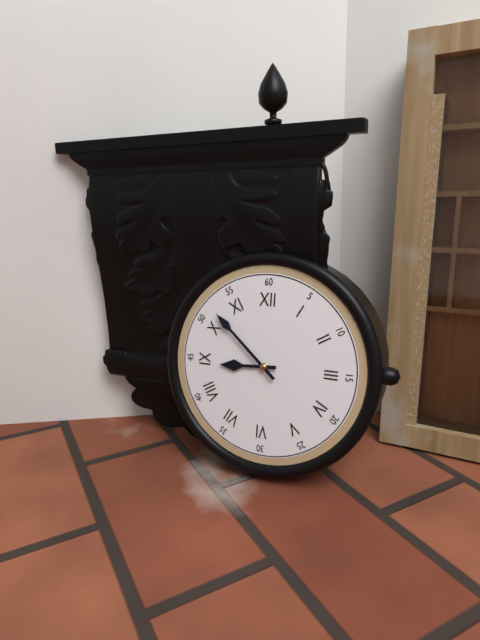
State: h=8 m=52
